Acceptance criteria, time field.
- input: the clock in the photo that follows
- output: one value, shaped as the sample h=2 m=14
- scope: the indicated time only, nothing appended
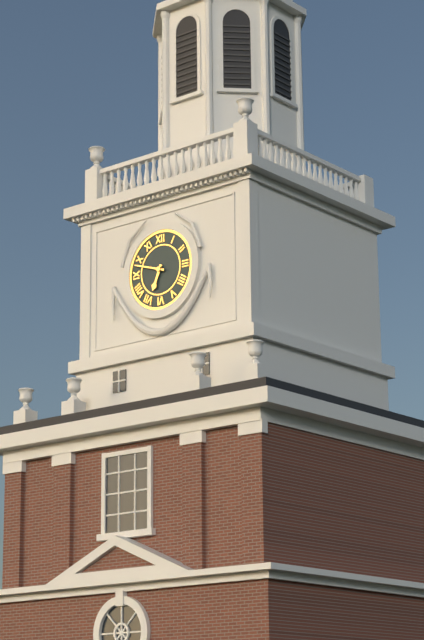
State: h=6 m=48
